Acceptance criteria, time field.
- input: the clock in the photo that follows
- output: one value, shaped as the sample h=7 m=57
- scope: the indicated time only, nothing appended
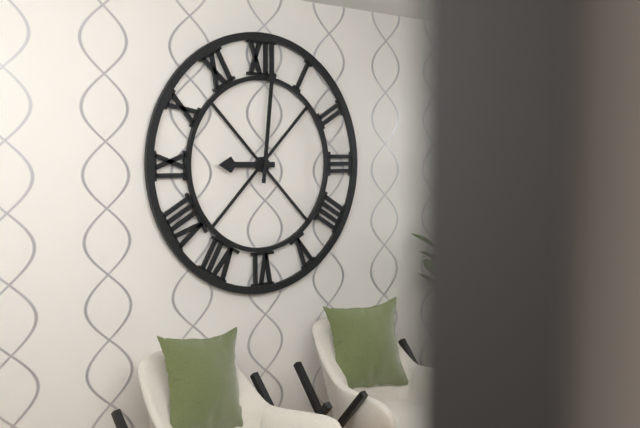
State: h=9 m=1
